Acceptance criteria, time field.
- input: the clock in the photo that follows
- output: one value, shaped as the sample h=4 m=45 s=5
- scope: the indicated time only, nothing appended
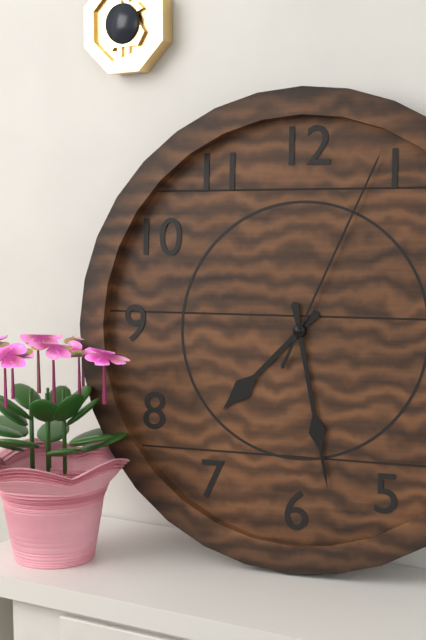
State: h=7 m=28 s=4
